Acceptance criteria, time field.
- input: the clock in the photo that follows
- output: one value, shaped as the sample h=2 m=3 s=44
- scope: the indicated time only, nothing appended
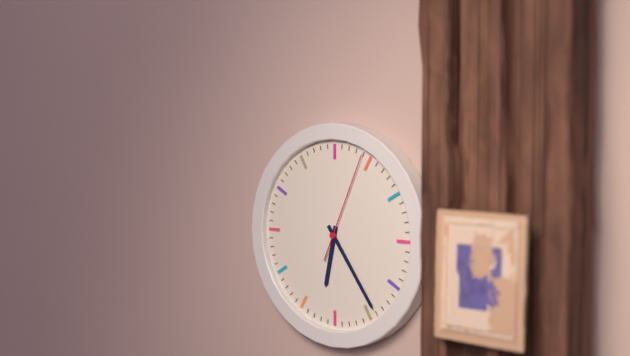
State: h=6 m=24 s=4
